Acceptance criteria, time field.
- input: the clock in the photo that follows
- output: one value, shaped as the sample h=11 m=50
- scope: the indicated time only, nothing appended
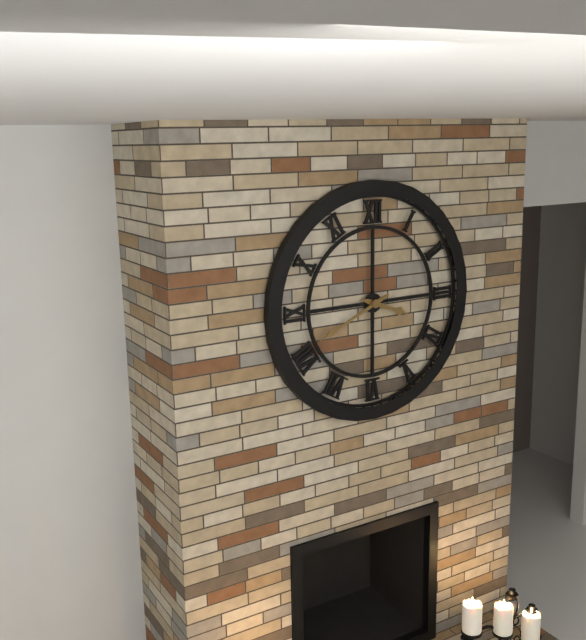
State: h=3 m=41
